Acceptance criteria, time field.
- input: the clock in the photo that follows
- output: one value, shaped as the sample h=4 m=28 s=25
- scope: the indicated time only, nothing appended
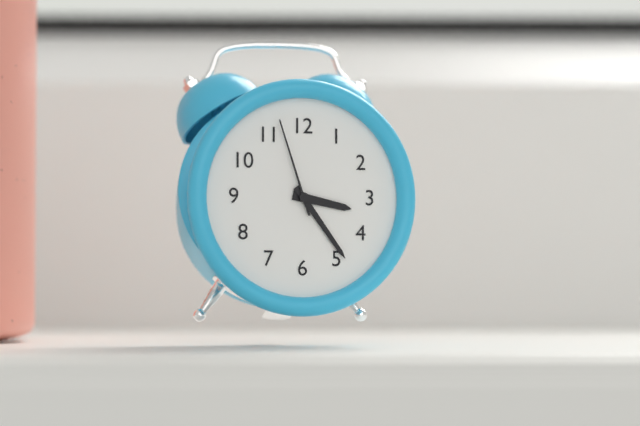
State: h=3 m=24 s=57
